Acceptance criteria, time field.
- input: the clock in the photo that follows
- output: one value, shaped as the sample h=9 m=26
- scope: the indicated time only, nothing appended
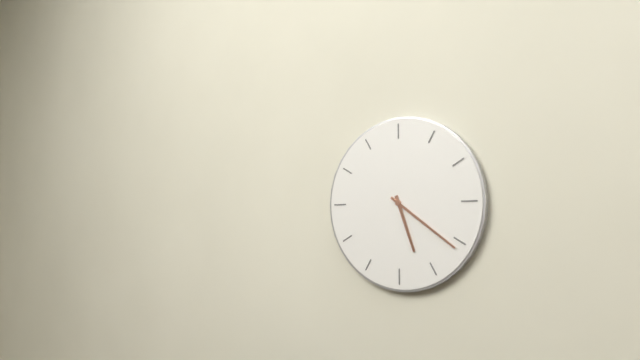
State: h=5 m=21
